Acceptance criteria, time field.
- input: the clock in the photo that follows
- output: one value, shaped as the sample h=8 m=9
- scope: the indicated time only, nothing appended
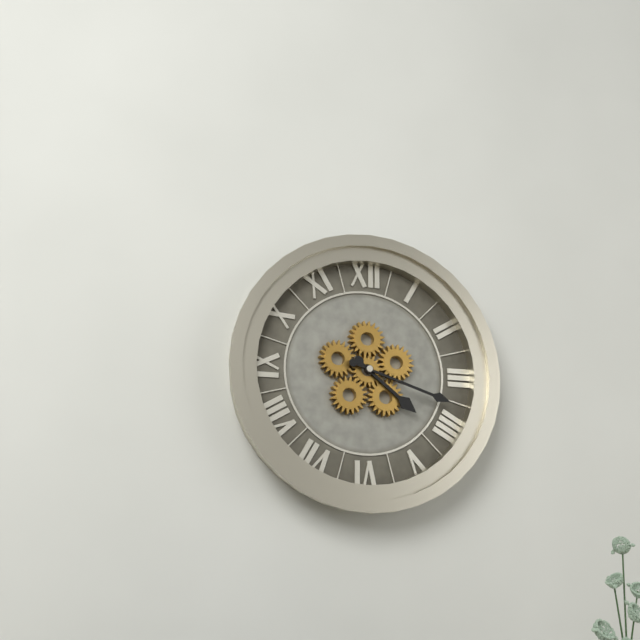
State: h=4 m=18
